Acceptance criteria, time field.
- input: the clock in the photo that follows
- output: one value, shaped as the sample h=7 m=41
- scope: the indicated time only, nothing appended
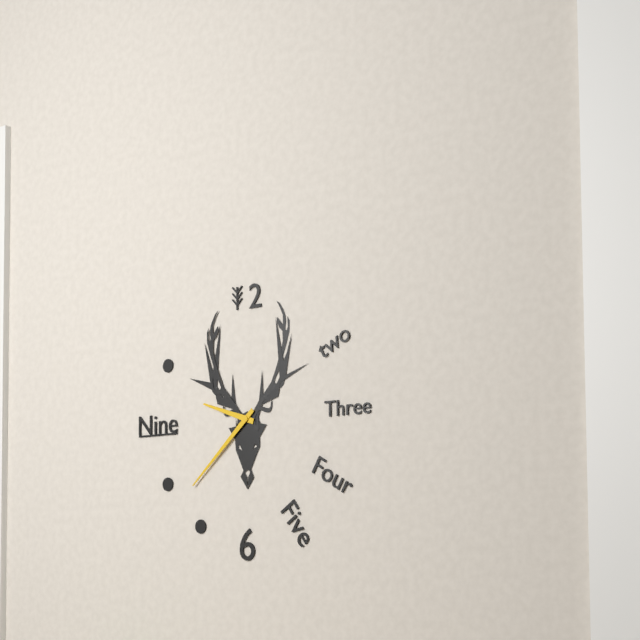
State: h=9 m=38
